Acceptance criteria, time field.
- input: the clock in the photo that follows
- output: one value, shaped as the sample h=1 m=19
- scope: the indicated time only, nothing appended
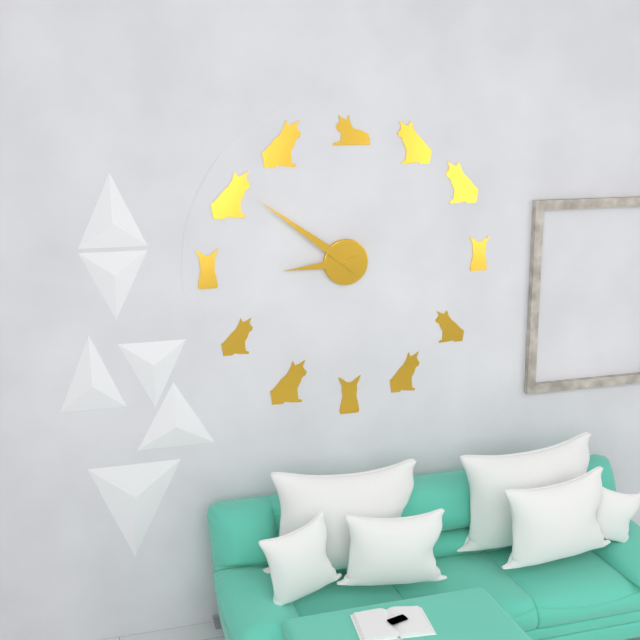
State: h=8 m=51
